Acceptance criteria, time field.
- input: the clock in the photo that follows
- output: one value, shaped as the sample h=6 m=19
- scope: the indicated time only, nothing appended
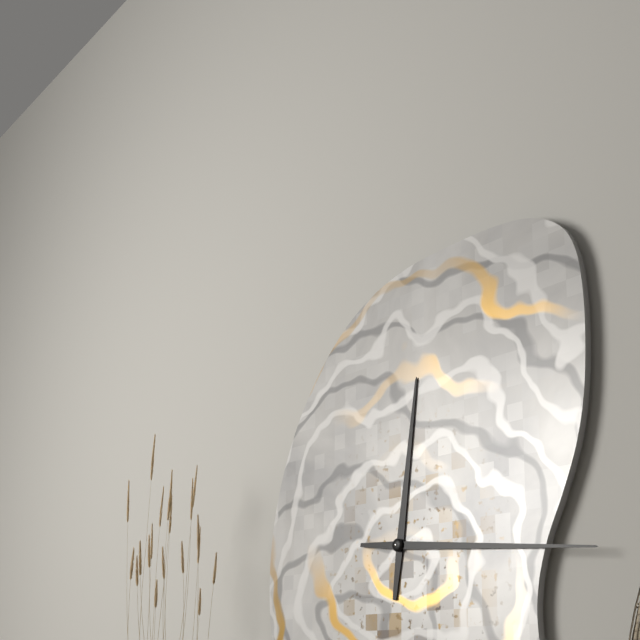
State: h=12 m=16
